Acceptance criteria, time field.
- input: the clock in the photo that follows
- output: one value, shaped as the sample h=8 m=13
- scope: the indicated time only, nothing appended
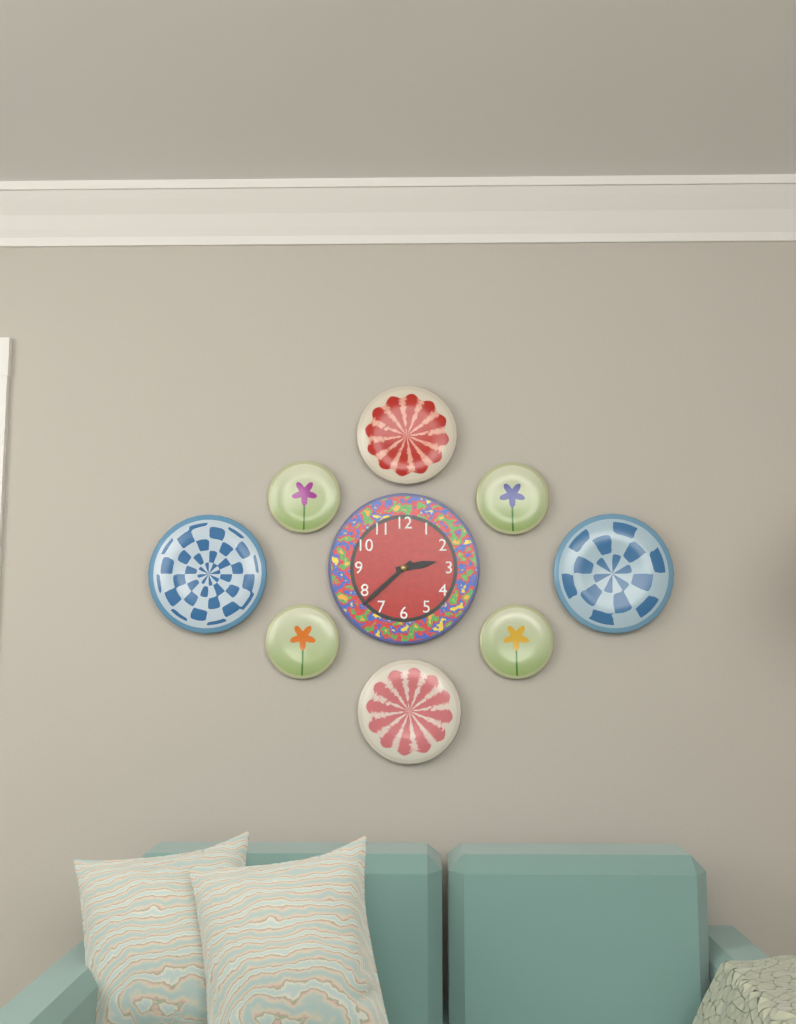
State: h=2 m=38
